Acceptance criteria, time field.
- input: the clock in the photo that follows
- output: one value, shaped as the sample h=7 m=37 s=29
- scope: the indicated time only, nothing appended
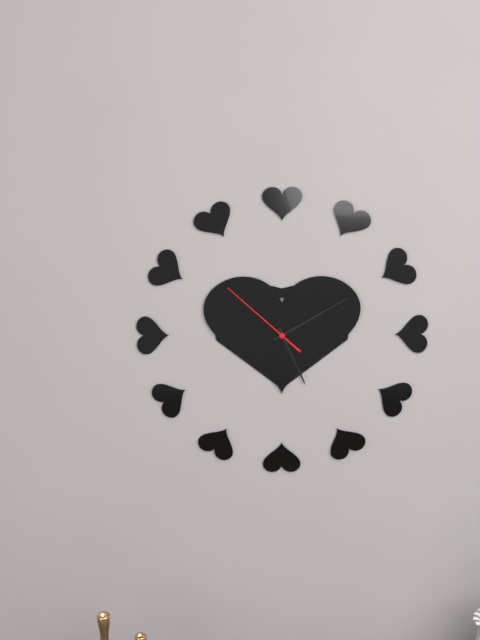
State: h=5 m=10 s=52
